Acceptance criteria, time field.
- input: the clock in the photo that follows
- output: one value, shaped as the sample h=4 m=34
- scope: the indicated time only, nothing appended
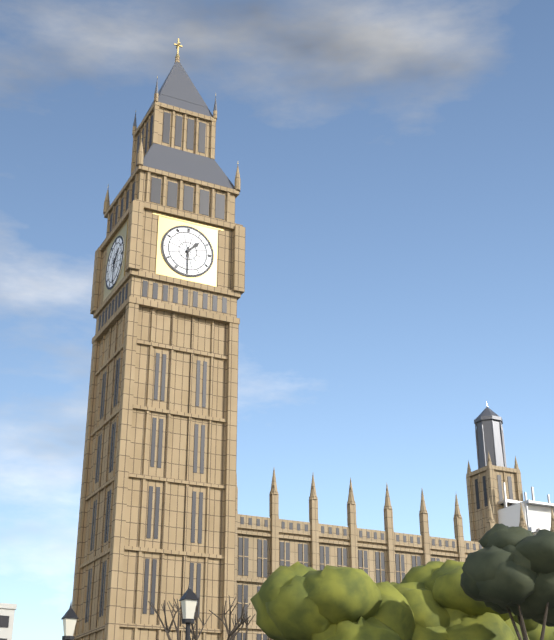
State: h=1 m=30
